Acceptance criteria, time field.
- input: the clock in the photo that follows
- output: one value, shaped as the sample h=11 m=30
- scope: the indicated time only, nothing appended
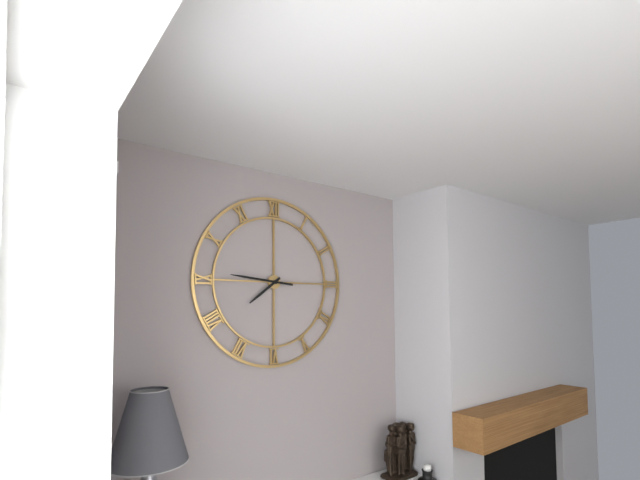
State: h=7 m=46
